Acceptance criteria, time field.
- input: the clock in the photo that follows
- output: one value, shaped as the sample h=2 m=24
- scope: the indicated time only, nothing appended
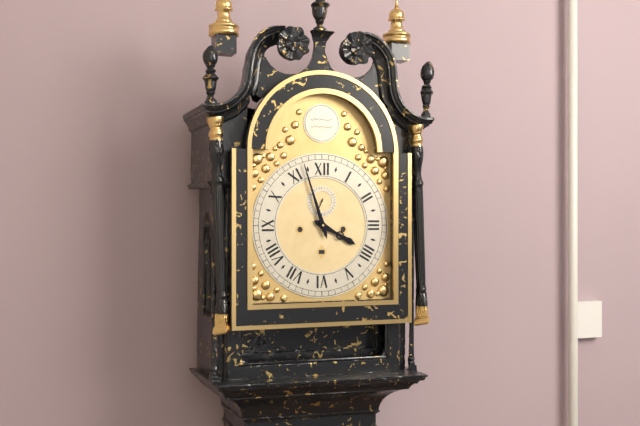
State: h=3 m=57
